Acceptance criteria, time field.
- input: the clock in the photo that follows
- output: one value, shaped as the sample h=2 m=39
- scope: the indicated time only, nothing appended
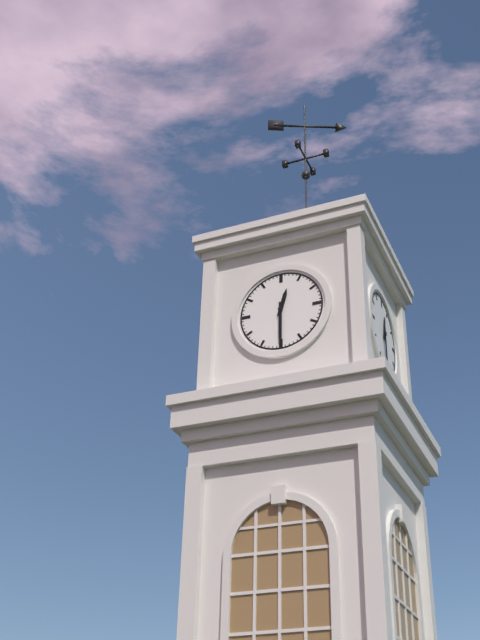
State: h=12 m=30
